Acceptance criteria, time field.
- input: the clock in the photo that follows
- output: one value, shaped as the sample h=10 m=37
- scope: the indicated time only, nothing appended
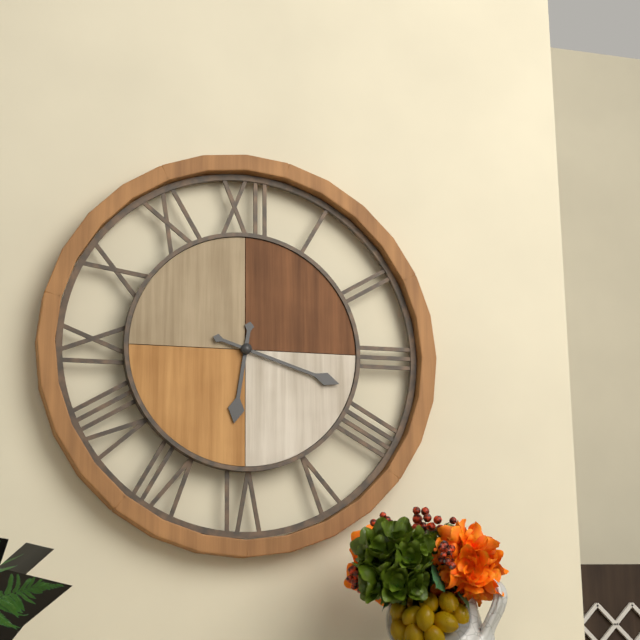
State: h=6 m=18
